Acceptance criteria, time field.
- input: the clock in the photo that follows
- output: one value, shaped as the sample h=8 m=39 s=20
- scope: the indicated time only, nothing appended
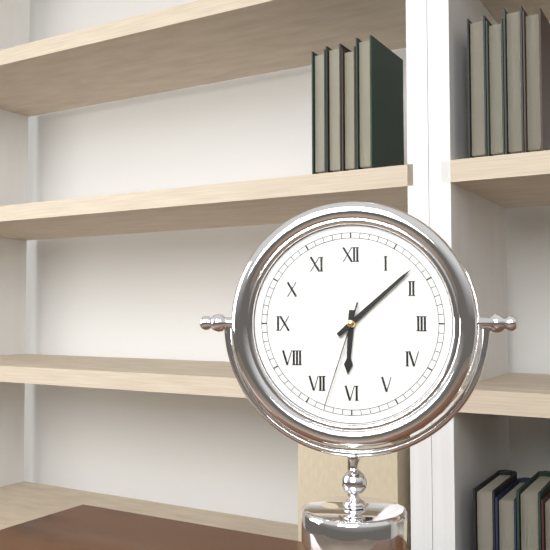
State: h=6 m=8 s=33
